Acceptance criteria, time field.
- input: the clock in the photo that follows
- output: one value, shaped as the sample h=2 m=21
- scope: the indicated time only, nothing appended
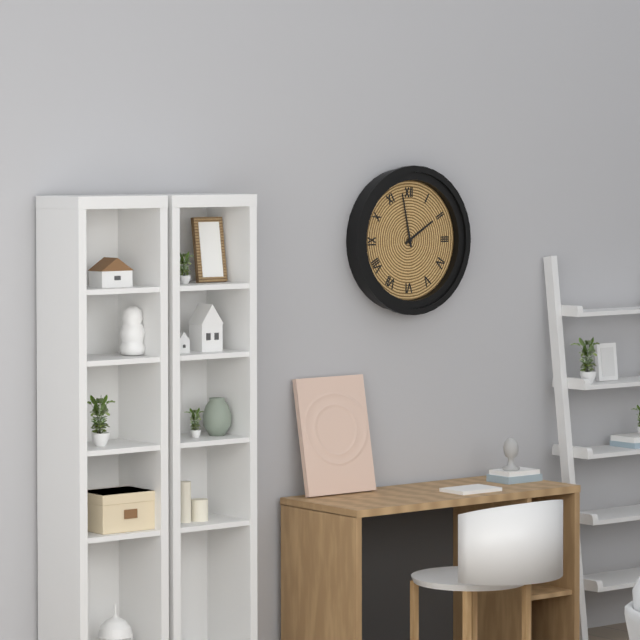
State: h=1 m=58
